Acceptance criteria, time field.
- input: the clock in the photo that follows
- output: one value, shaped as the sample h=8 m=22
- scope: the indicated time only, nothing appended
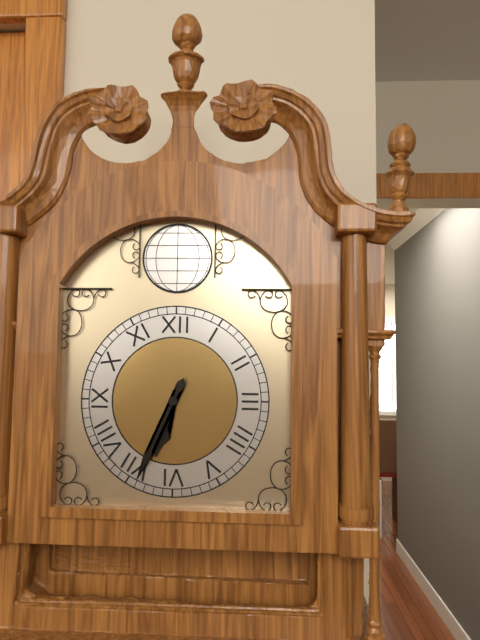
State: h=6 m=34
